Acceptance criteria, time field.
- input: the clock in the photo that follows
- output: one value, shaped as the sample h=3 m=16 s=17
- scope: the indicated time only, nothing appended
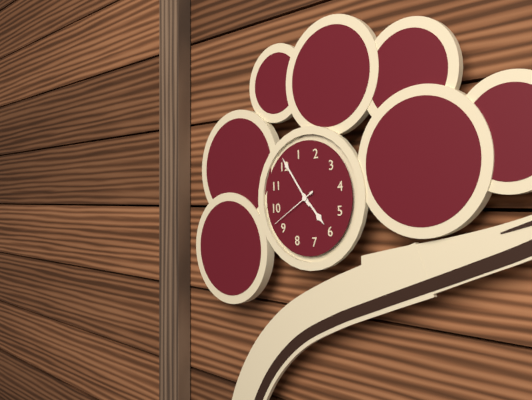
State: h=6 m=1 s=47
